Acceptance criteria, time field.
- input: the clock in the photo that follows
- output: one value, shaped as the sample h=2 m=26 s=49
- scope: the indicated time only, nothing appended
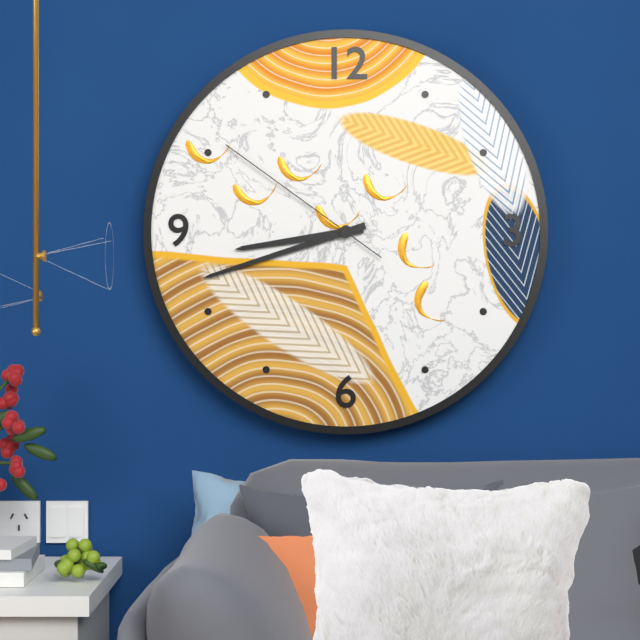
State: h=8 m=42 s=51
